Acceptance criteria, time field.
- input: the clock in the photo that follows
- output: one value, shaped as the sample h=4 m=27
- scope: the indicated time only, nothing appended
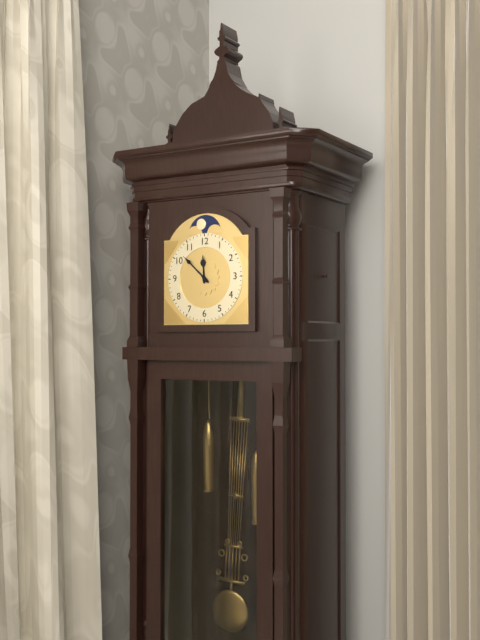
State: h=11 m=52
